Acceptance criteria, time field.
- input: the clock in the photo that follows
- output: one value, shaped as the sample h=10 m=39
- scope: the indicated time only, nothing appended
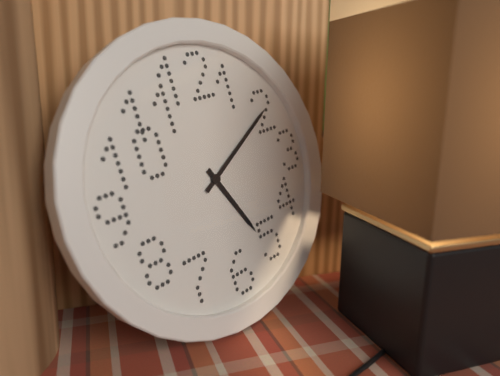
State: h=5 m=10
